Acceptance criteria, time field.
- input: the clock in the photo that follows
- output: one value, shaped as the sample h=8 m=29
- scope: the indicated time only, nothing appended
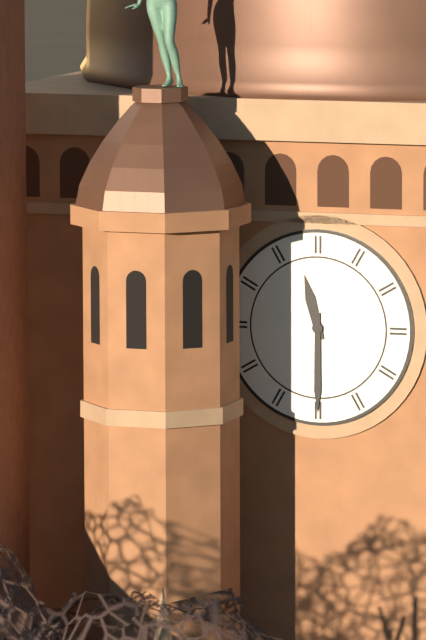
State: h=11 m=30
